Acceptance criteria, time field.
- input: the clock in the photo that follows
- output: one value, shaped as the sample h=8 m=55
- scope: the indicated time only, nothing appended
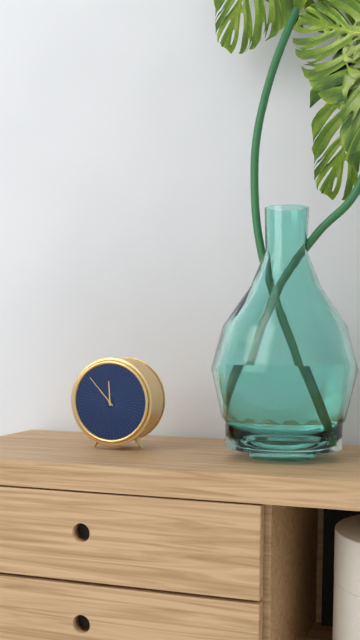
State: h=11 m=53
